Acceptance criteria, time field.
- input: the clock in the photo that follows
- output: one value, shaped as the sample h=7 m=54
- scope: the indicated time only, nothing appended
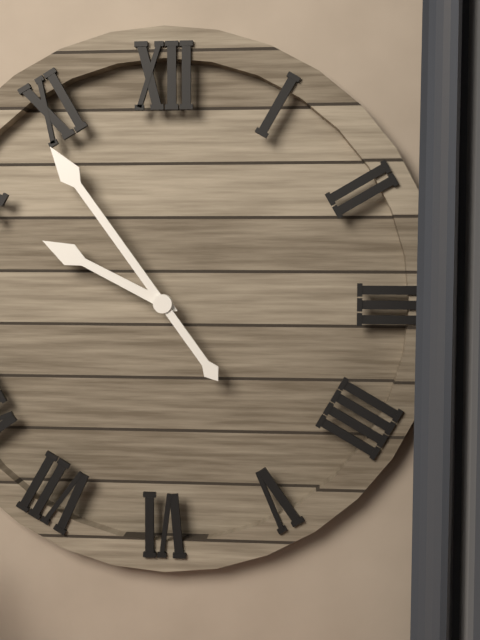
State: h=9 m=54
